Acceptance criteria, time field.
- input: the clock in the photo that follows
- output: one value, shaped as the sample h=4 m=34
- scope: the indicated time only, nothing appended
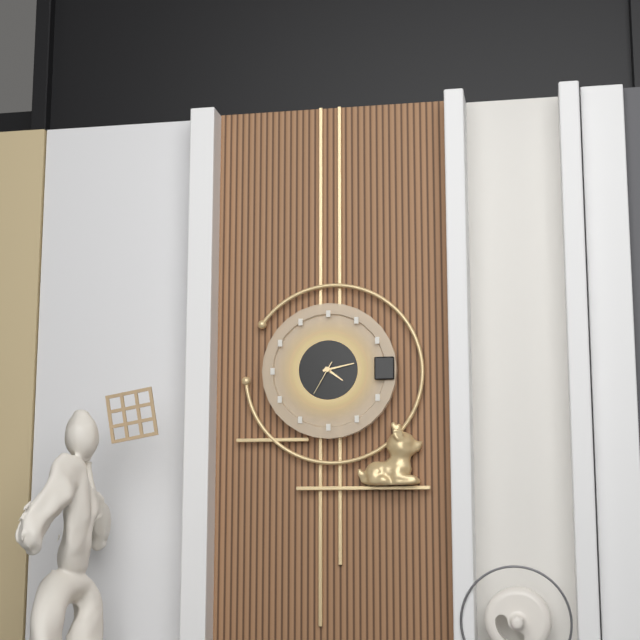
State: h=4 m=13
